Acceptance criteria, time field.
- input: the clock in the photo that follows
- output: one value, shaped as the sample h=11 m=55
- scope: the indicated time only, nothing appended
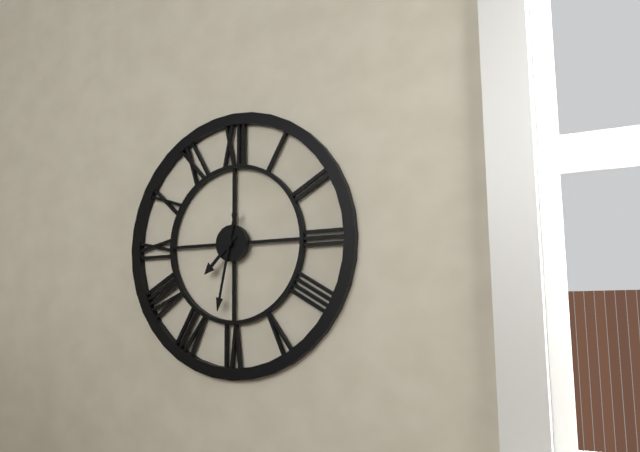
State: h=7 m=32
